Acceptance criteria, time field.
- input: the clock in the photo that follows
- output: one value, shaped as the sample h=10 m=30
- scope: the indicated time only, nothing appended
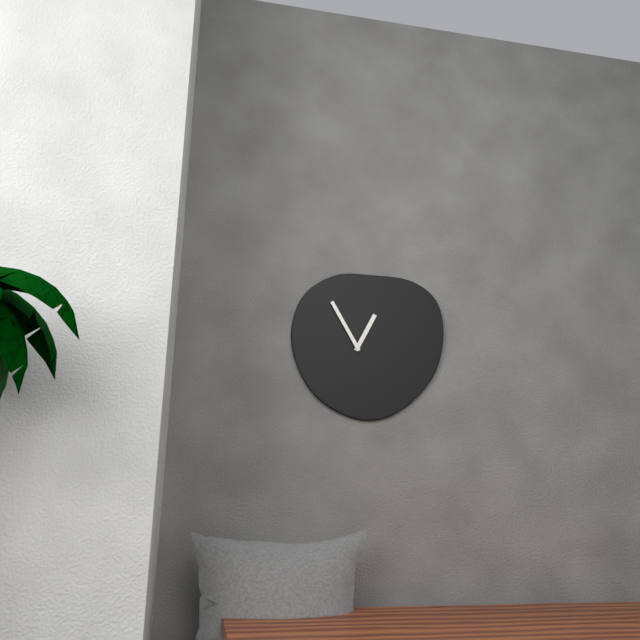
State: h=12 m=55
